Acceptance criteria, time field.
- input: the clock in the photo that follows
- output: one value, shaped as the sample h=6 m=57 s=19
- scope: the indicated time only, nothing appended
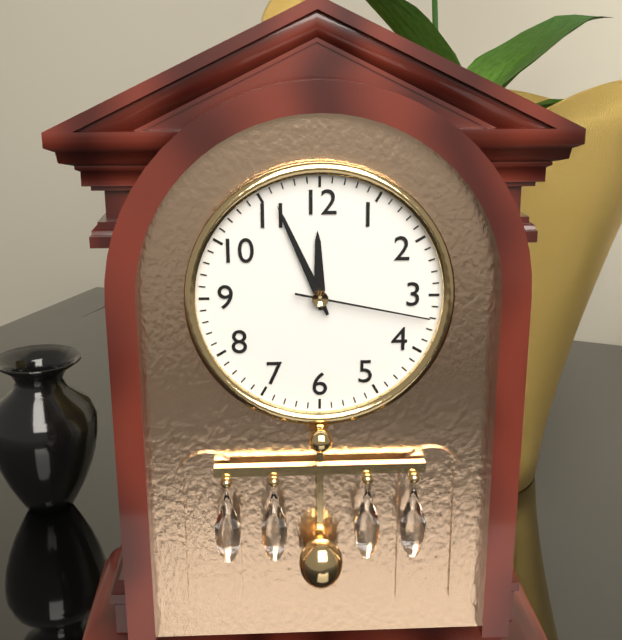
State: h=11 m=56 s=17
